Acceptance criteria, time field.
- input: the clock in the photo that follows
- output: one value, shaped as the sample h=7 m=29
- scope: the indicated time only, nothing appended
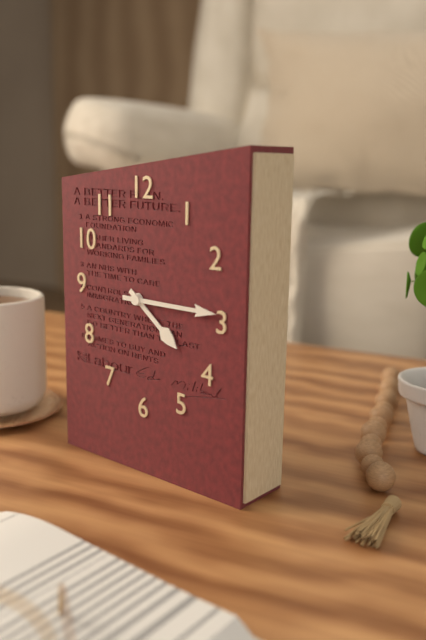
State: h=4 m=15
